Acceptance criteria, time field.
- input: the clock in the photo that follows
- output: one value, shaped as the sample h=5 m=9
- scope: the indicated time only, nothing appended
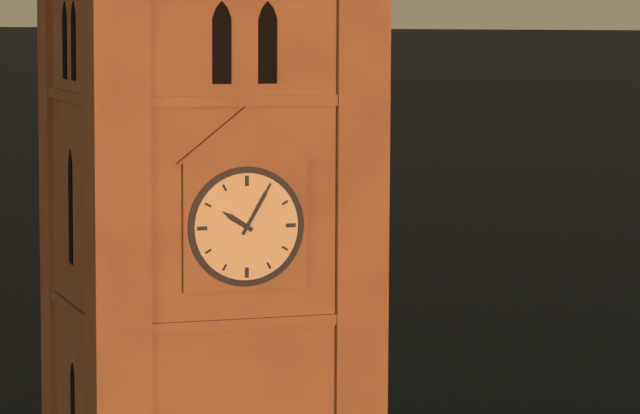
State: h=10 m=5
